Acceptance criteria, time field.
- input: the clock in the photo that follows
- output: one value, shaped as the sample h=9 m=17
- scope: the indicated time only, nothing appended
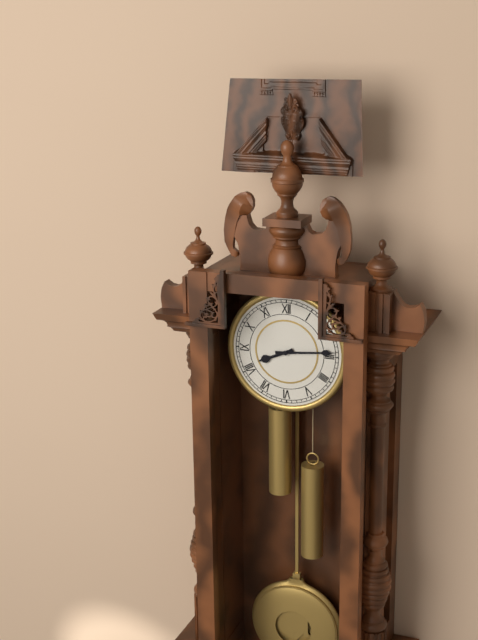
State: h=8 m=14
